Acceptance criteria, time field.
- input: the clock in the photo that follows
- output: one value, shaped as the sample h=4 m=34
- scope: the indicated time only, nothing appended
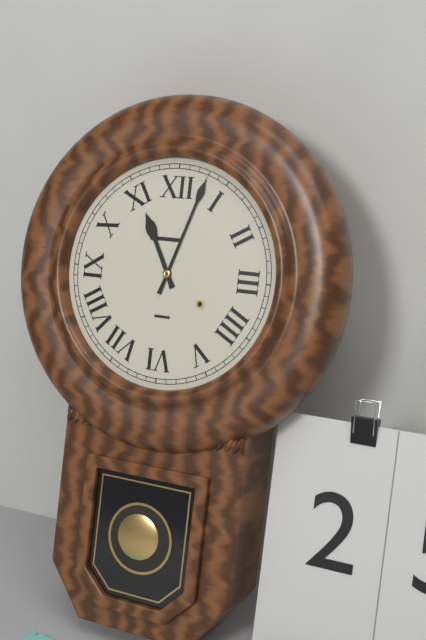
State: h=11 m=3
